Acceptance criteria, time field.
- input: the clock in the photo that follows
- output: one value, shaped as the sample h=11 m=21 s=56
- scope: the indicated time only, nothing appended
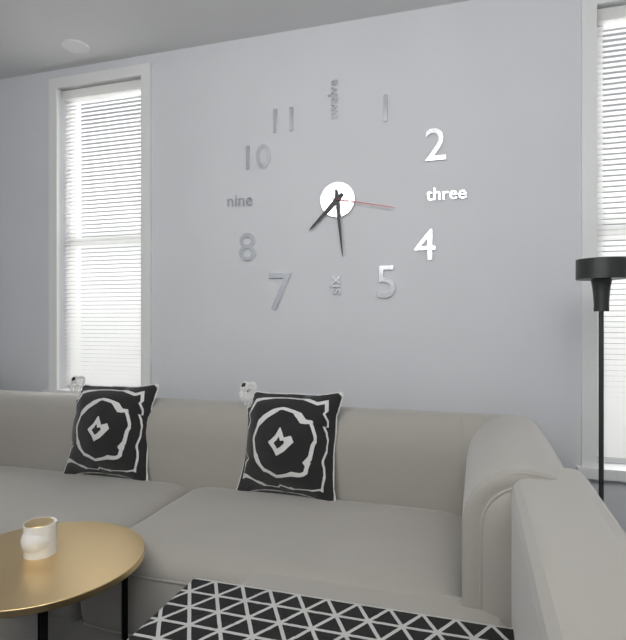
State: h=7 m=29 s=17
